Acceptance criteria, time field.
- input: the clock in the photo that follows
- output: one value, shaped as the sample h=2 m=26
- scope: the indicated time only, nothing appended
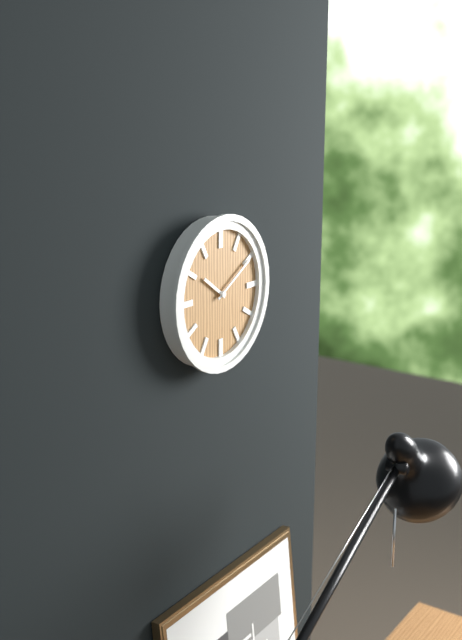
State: h=10 m=10
